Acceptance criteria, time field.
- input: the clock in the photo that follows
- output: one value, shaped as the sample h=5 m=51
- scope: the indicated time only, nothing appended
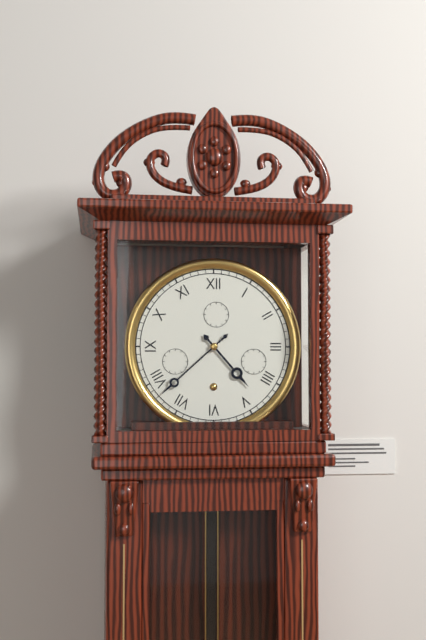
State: h=4 m=38
